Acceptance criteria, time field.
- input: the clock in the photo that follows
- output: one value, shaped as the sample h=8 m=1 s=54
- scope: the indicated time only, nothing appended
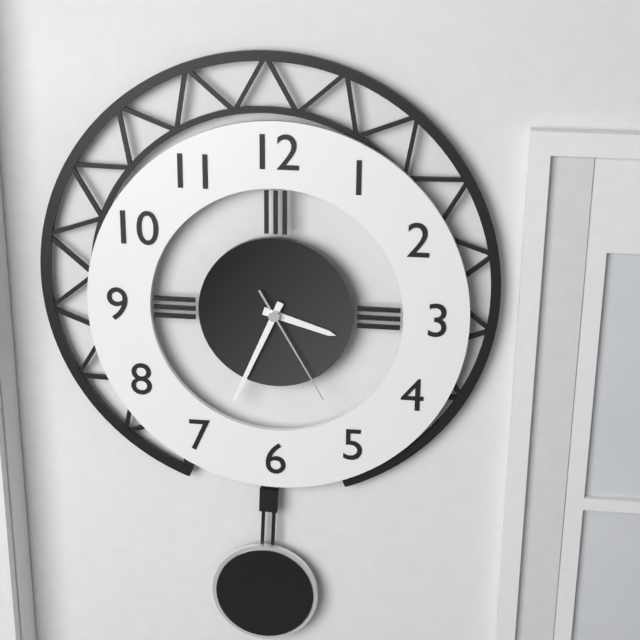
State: h=3 m=34 s=25
